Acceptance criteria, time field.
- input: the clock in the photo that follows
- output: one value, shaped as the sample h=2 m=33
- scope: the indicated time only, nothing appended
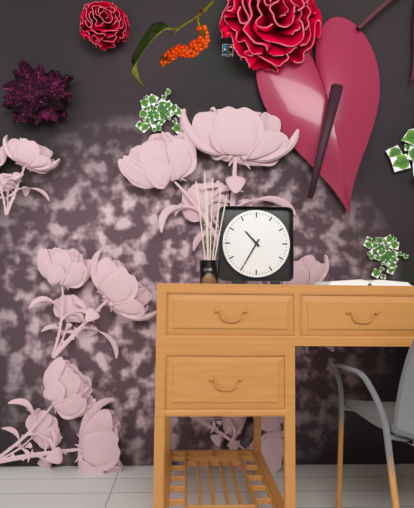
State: h=10 m=35
